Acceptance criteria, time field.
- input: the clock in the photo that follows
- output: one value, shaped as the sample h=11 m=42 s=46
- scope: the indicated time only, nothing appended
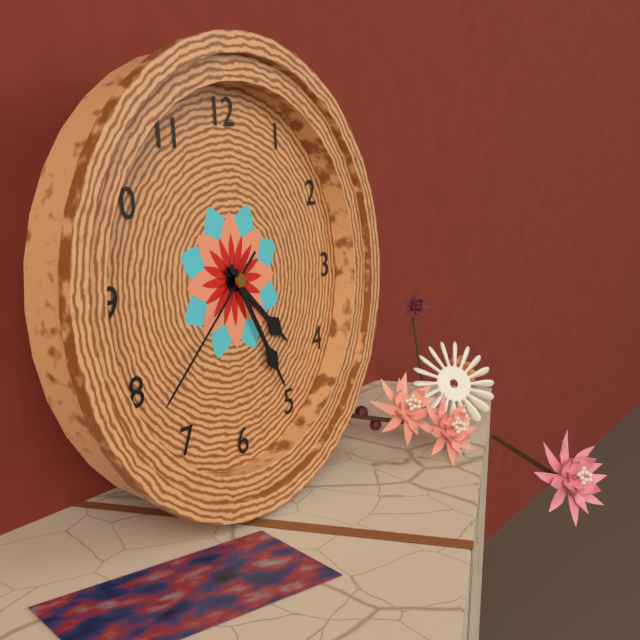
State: h=4 m=25 s=38
